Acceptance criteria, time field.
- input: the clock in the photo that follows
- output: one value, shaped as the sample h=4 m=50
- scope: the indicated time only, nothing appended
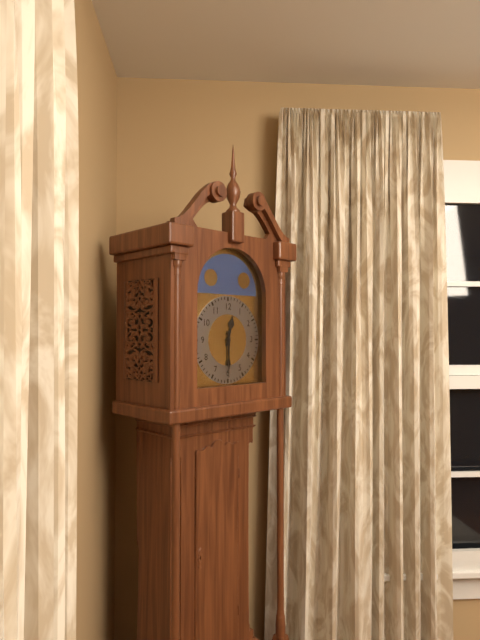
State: h=12 m=30
